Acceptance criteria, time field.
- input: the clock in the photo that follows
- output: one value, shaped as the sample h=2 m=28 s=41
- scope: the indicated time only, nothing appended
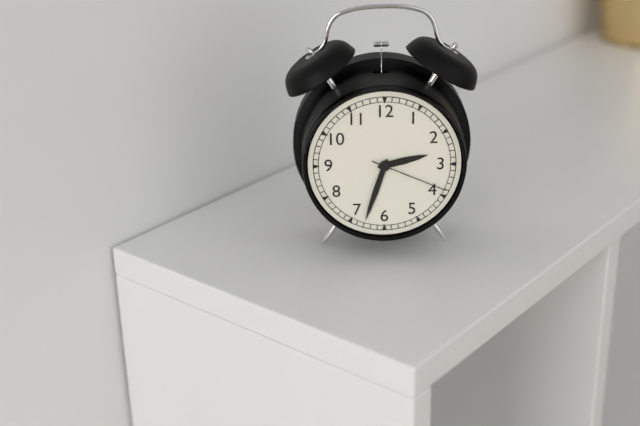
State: h=2 m=33 s=19
